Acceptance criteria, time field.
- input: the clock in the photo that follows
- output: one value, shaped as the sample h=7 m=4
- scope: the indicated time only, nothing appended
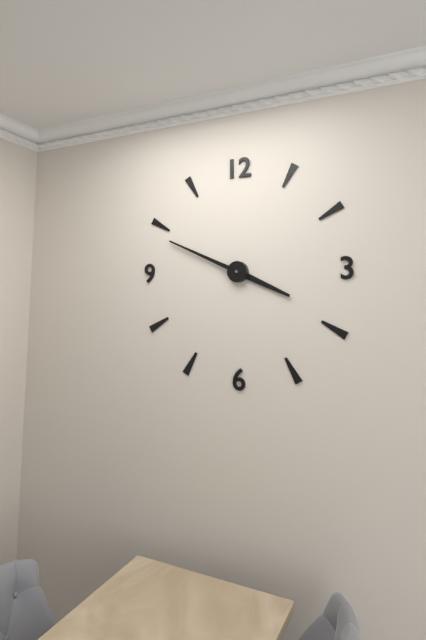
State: h=3 m=49
